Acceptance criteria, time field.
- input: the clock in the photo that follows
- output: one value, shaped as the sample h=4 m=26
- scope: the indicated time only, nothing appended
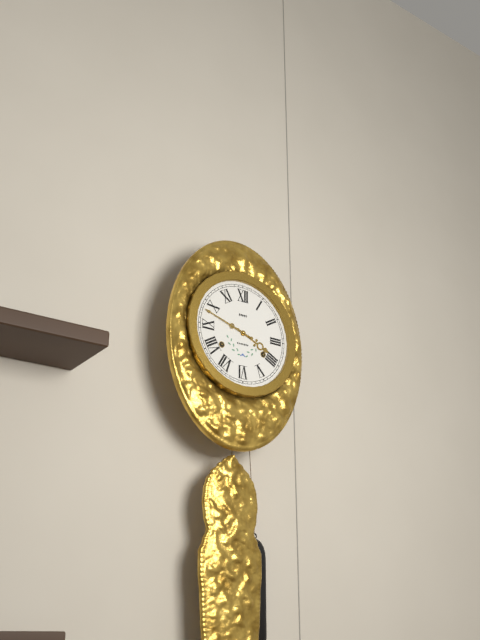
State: h=3 m=48
